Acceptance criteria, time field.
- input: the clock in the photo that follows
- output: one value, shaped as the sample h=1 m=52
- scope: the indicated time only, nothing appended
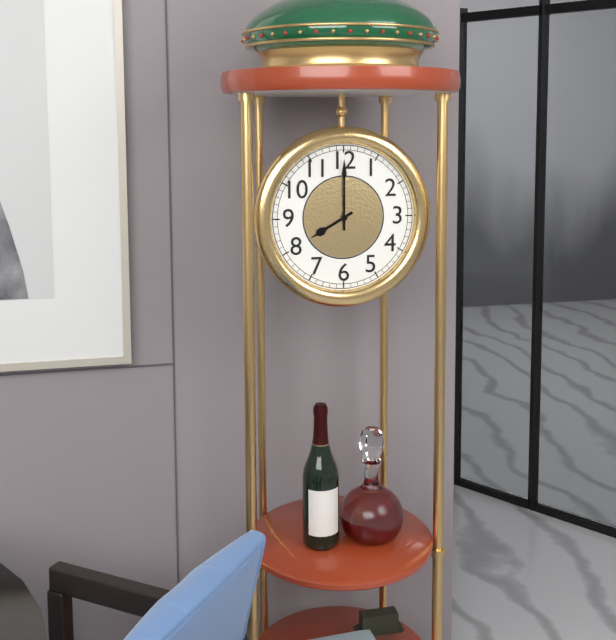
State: h=8 m=0
